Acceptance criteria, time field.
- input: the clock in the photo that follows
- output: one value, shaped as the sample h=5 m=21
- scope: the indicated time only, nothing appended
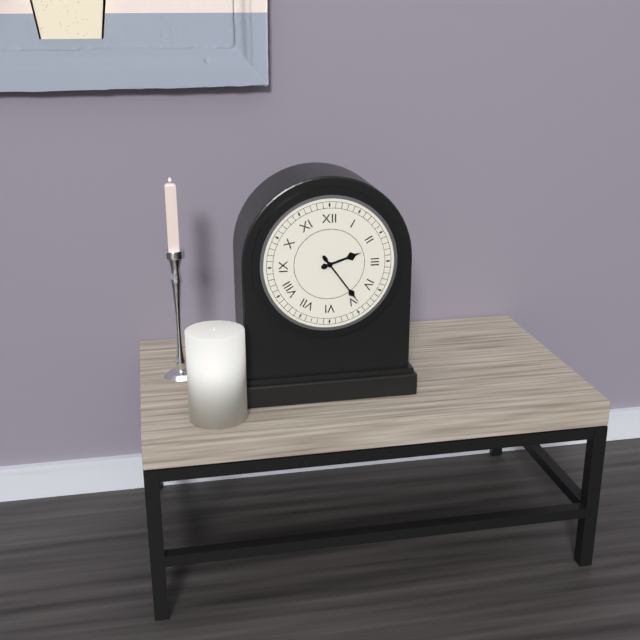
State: h=2 m=24
